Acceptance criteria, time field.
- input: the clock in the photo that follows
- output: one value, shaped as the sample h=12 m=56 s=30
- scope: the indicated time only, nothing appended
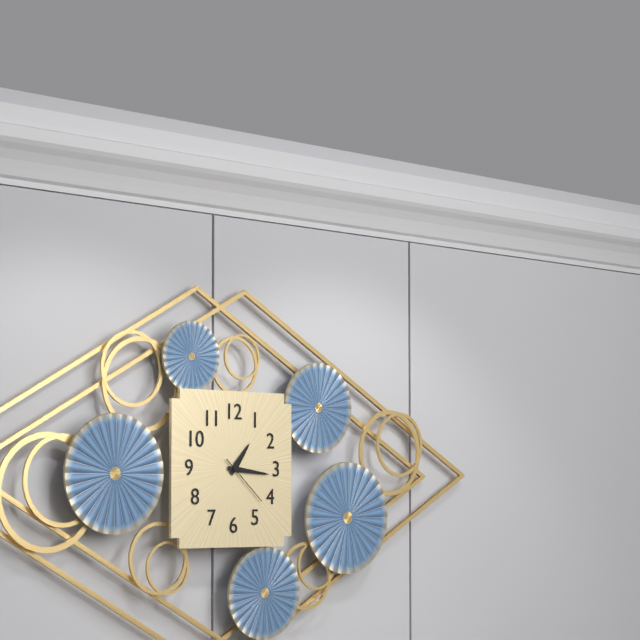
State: h=1 m=16 s=22
